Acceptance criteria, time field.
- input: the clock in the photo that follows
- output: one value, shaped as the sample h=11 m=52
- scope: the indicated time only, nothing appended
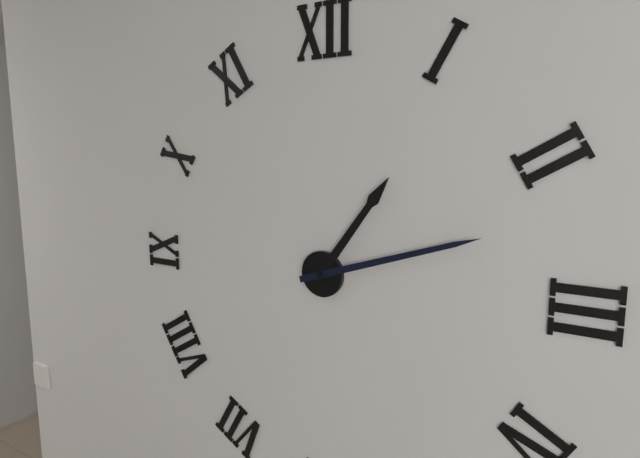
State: h=1 m=12
